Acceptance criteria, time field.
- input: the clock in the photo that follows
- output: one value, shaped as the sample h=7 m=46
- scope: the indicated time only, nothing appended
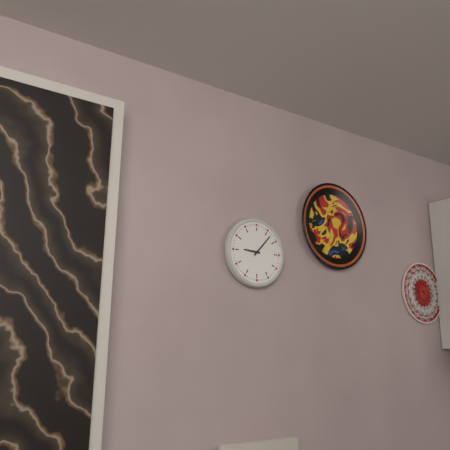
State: h=9 m=7
